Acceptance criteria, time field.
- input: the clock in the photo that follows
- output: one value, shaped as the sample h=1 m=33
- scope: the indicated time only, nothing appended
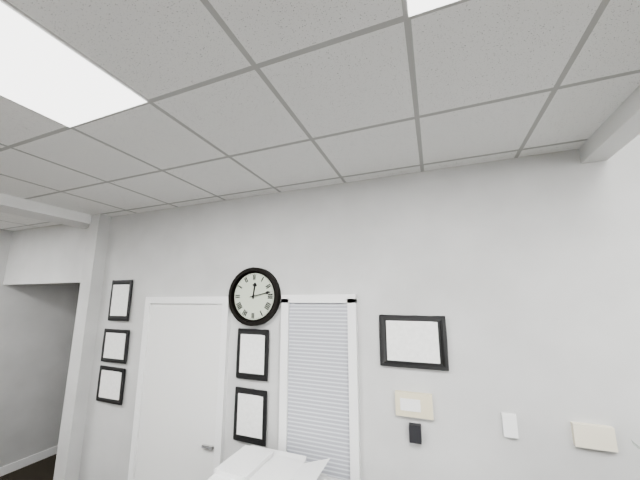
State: h=12 m=13
